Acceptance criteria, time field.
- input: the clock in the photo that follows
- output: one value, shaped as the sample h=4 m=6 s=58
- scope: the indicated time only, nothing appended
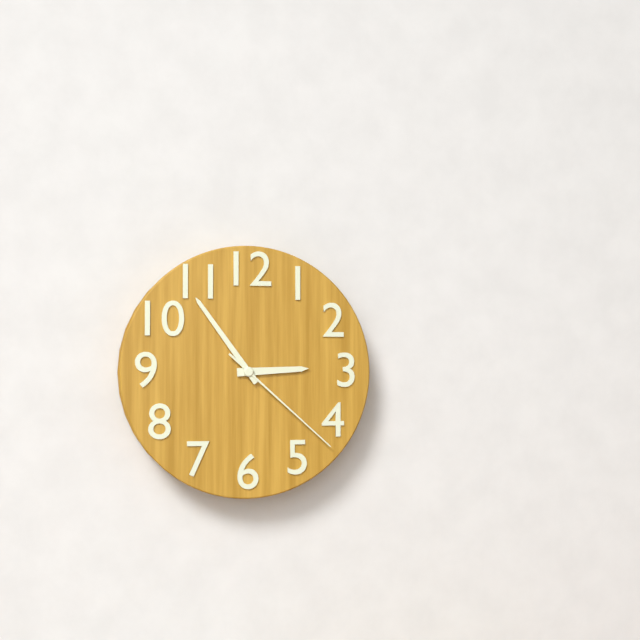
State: h=2 m=54 s=22
